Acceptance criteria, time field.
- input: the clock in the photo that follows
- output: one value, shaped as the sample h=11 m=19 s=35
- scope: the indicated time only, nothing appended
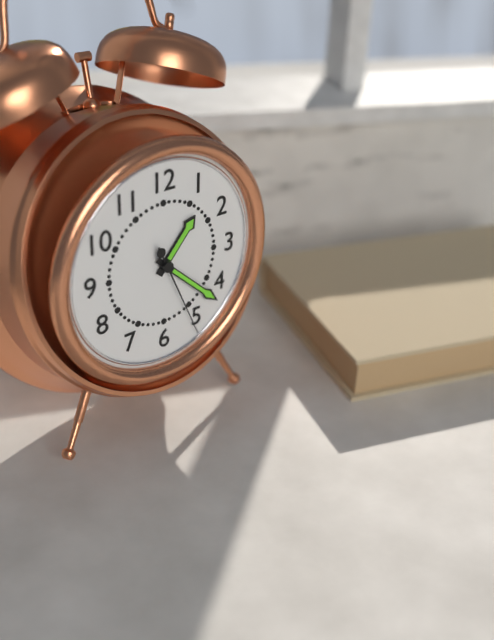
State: h=1 m=22 s=26
